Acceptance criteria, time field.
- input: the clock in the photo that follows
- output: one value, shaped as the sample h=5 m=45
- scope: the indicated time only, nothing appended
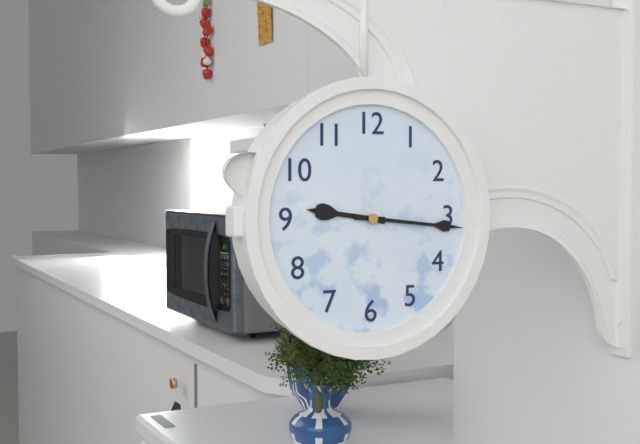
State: h=9 m=16
